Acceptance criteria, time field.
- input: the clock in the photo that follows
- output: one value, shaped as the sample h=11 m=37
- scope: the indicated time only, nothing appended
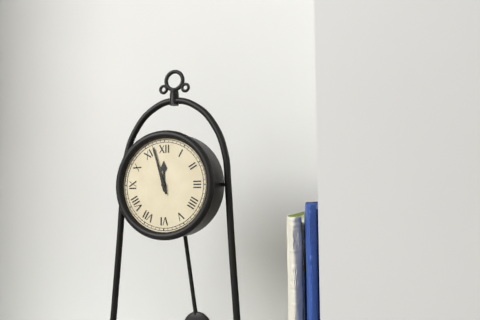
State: h=11 m=57
